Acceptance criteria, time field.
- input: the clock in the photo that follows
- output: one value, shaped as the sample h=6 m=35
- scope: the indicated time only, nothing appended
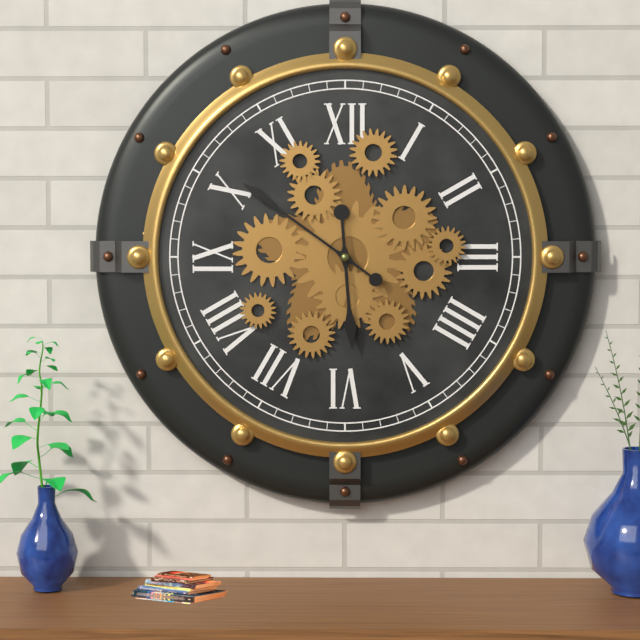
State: h=5 m=51
